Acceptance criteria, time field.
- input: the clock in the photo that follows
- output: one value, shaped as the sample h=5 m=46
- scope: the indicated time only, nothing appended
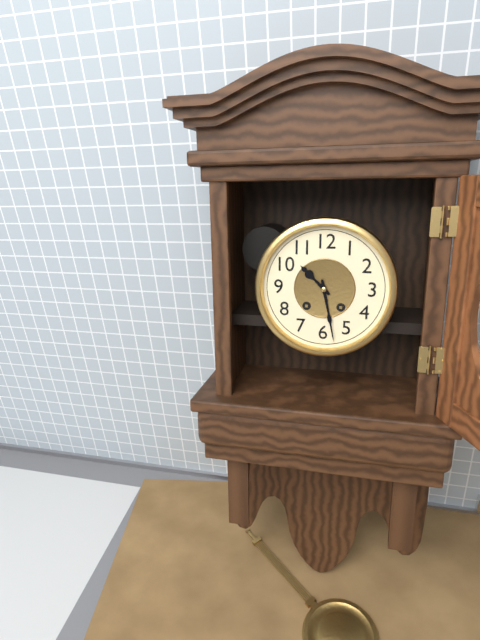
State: h=10 m=28
